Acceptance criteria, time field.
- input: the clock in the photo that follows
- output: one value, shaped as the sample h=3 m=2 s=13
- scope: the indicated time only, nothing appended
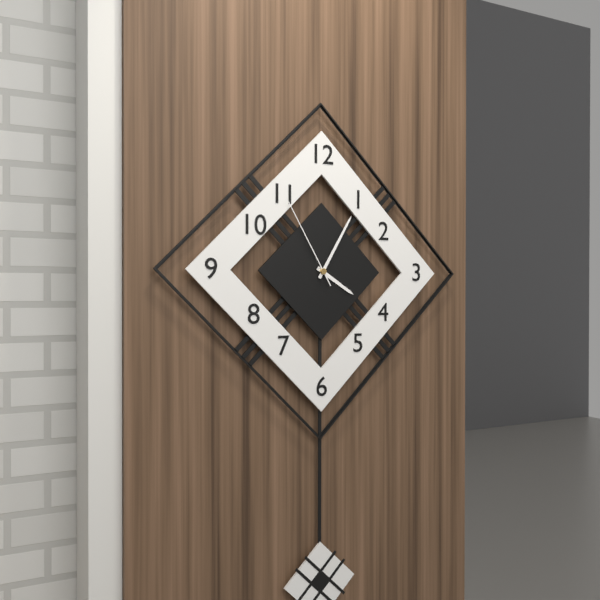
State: h=4 m=5 s=55
